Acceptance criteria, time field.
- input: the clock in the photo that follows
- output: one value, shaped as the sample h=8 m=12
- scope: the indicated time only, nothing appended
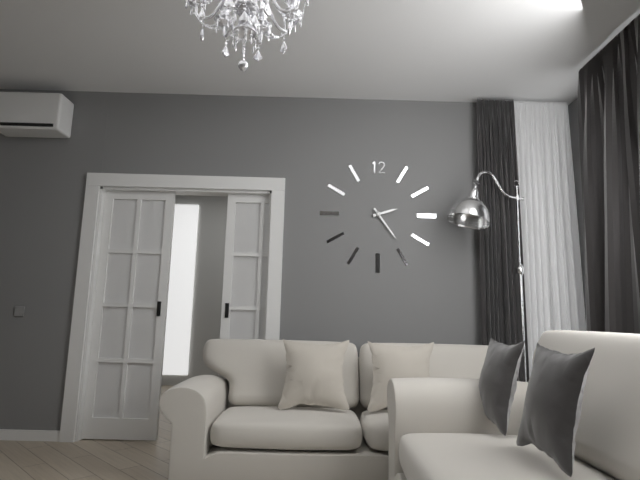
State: h=2 m=24
